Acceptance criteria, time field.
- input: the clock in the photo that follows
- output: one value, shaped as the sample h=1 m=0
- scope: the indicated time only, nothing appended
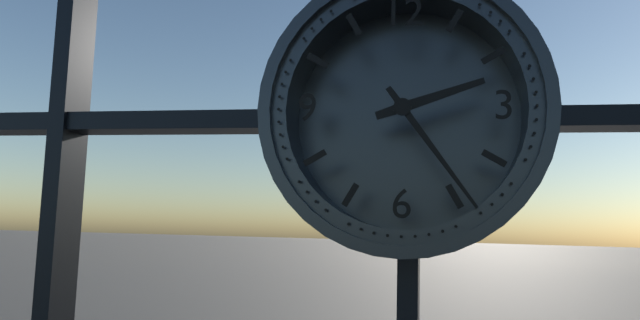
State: h=2 m=24
